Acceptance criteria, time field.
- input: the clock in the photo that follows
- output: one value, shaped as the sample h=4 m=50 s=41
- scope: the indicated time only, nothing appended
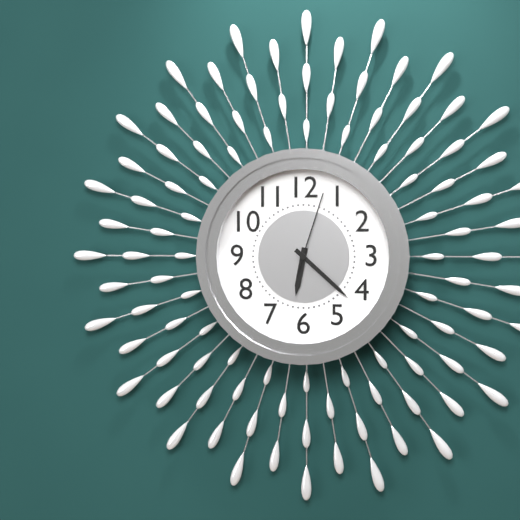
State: h=6 m=22 s=3
